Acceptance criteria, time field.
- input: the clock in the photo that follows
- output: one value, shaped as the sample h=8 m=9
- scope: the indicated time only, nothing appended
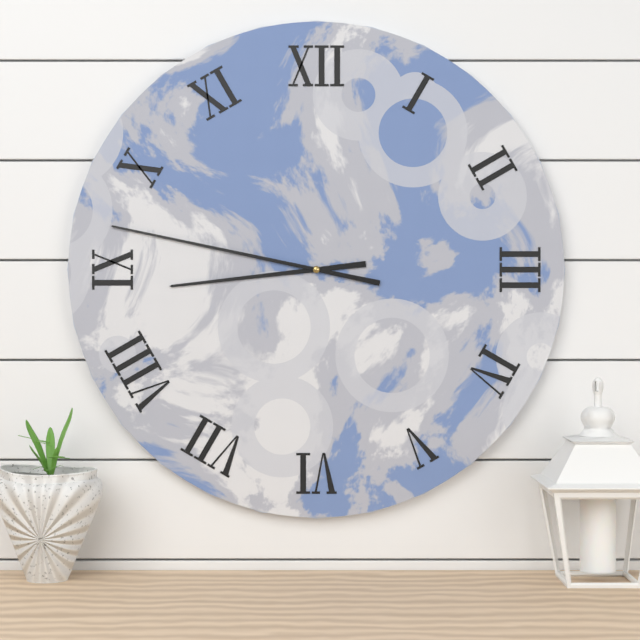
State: h=8 m=47
